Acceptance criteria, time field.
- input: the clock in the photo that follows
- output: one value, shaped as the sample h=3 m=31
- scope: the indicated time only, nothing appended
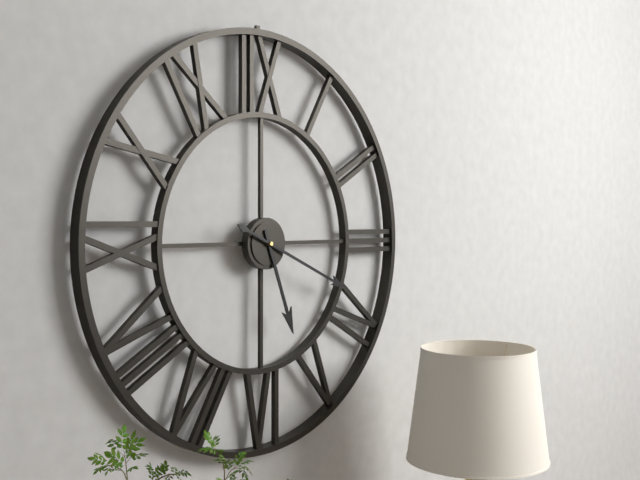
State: h=5 m=19
